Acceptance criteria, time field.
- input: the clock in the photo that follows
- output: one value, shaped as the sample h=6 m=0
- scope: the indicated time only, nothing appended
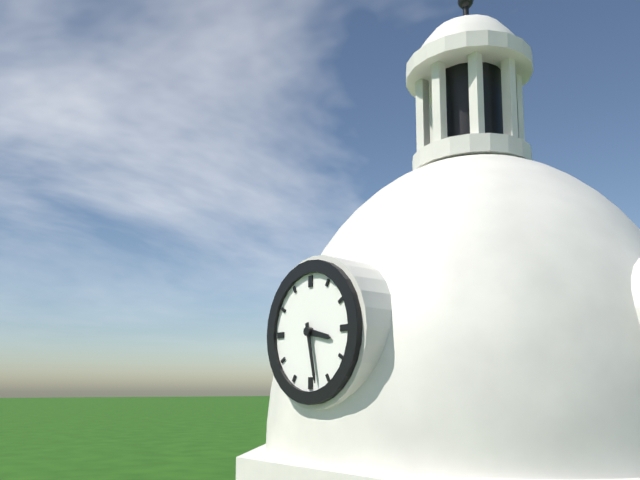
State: h=3 m=28
